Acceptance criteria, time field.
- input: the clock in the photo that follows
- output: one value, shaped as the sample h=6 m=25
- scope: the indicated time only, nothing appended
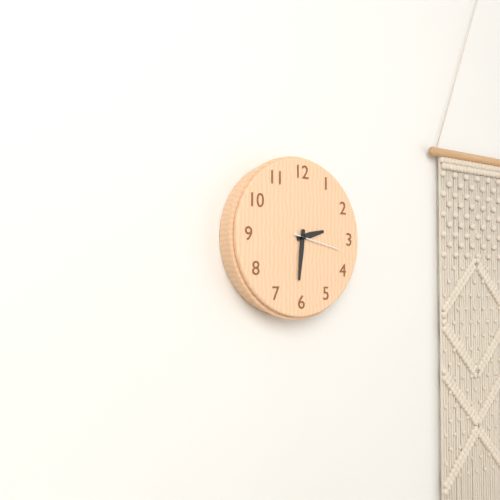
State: h=2 m=31
